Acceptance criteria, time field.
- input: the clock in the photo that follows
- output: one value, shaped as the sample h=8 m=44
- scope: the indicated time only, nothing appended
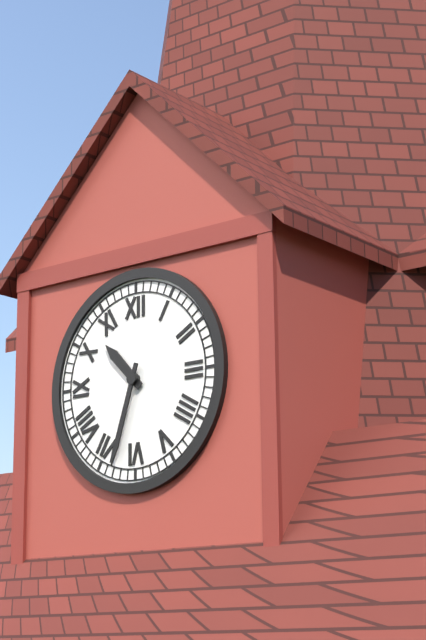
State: h=10 m=33
